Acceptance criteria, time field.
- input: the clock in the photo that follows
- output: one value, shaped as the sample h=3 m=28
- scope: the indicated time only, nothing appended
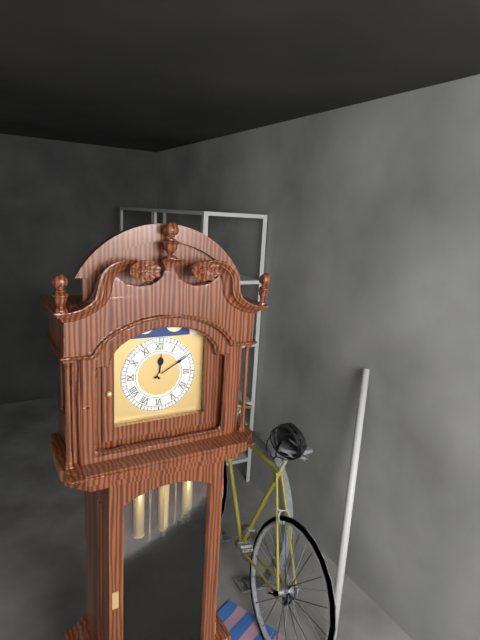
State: h=12 m=10
